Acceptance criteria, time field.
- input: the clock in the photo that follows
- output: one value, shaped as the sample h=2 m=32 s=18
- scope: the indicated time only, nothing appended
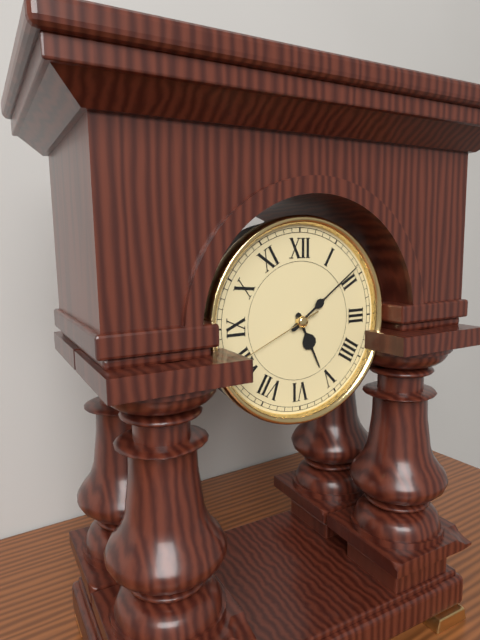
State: h=5 m=9 s=41
